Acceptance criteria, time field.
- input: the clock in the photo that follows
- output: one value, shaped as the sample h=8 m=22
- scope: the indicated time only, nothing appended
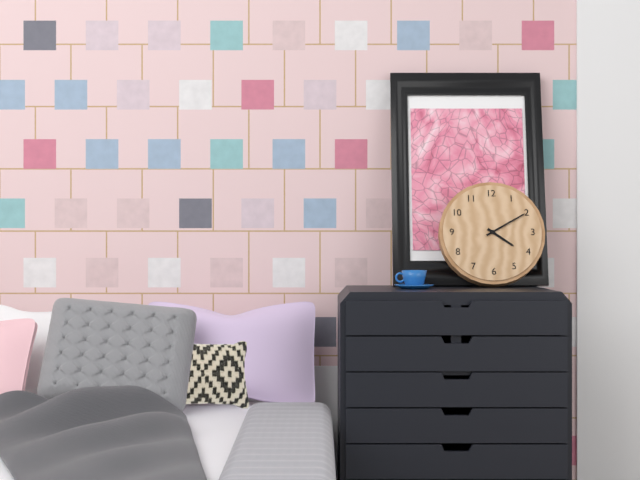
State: h=4 m=10
